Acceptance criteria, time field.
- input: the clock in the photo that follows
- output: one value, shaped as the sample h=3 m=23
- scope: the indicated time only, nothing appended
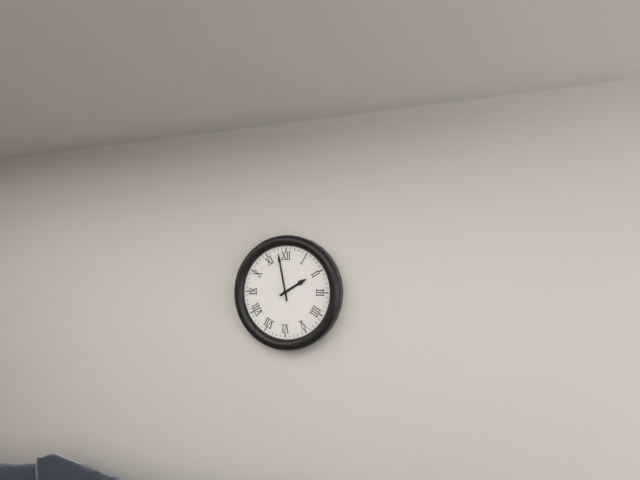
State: h=1 m=58
